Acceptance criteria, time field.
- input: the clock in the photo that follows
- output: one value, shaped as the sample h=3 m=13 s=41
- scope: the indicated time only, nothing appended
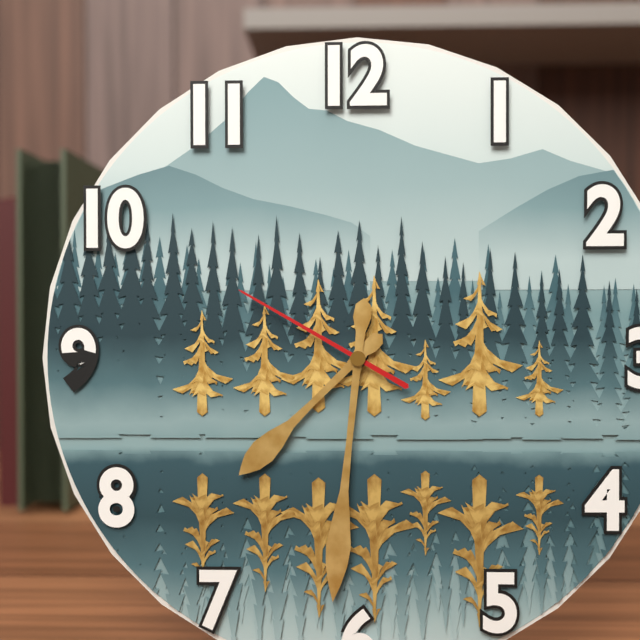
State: h=7 m=31 s=50
